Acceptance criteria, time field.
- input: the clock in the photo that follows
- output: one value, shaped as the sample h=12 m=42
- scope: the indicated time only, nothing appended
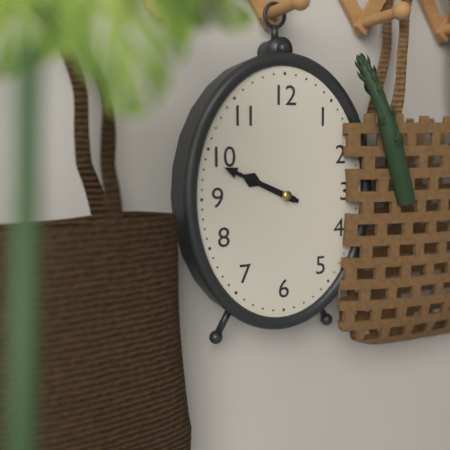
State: h=9 m=49
